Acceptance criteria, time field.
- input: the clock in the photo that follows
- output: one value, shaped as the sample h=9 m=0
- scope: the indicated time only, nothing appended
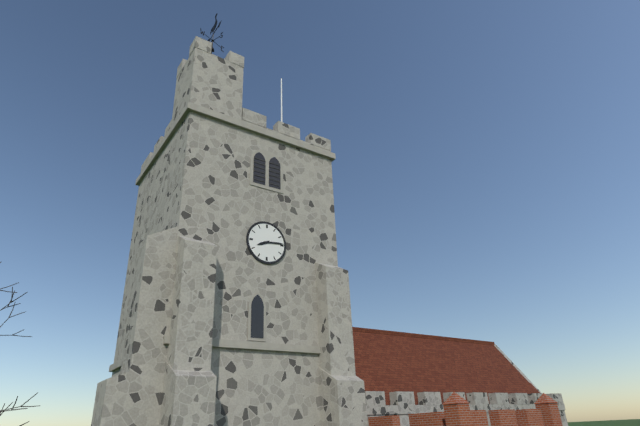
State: h=8 m=14
